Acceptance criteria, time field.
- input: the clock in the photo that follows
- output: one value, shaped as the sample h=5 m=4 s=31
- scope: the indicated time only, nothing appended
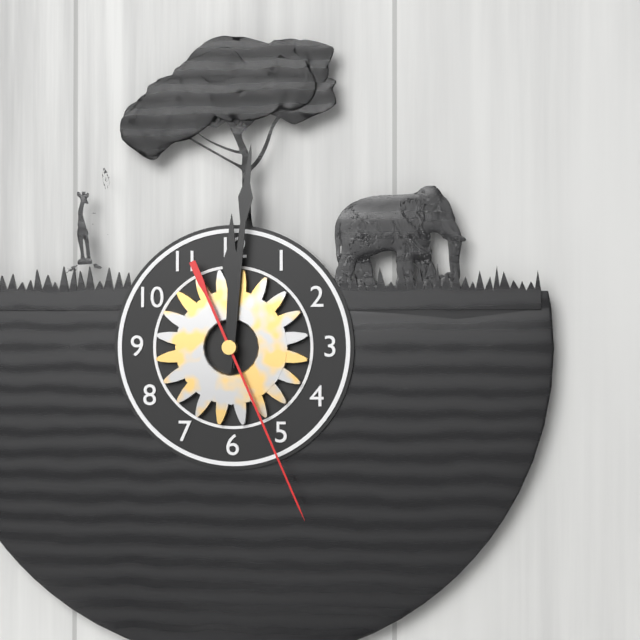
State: h=12 m=1 s=26
